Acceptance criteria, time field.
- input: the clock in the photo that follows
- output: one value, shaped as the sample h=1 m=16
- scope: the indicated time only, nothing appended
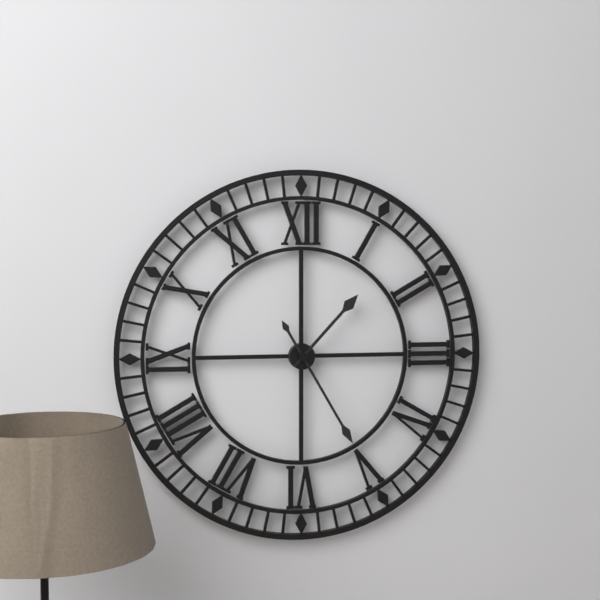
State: h=1 m=25
